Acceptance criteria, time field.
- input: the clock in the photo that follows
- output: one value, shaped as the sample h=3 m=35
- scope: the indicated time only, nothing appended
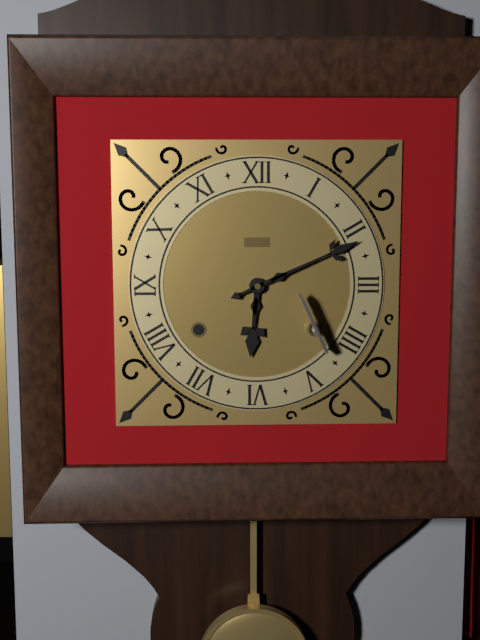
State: h=6 m=11
